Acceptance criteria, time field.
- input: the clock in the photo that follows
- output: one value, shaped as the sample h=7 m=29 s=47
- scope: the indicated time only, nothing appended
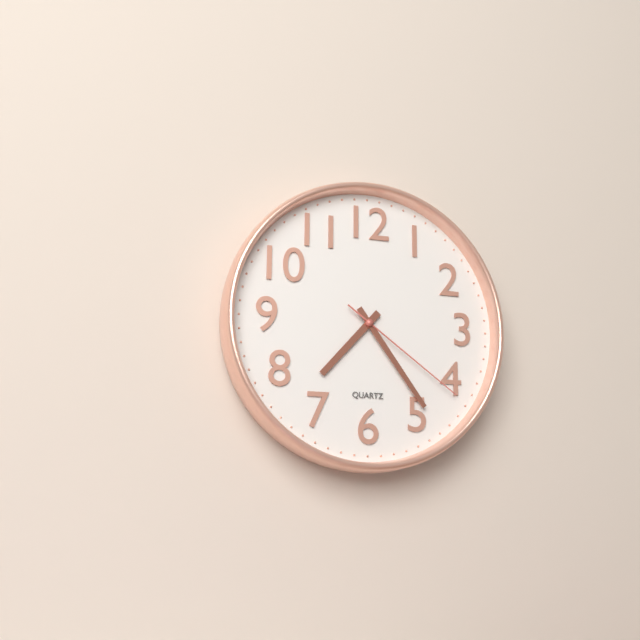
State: h=7 m=24 s=21
